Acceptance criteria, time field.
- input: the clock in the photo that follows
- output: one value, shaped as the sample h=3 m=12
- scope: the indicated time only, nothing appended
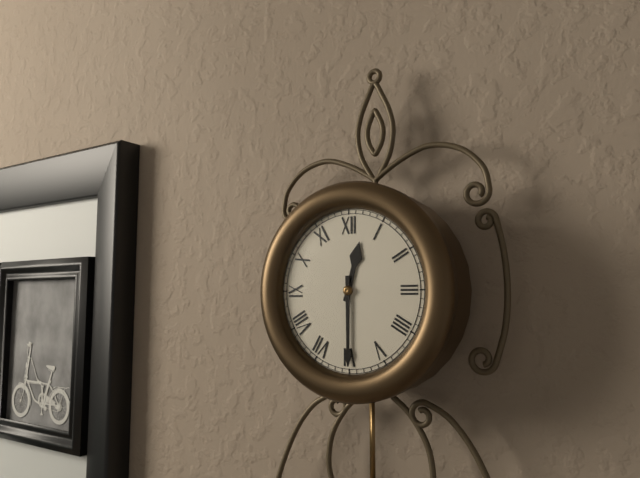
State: h=12 m=30
